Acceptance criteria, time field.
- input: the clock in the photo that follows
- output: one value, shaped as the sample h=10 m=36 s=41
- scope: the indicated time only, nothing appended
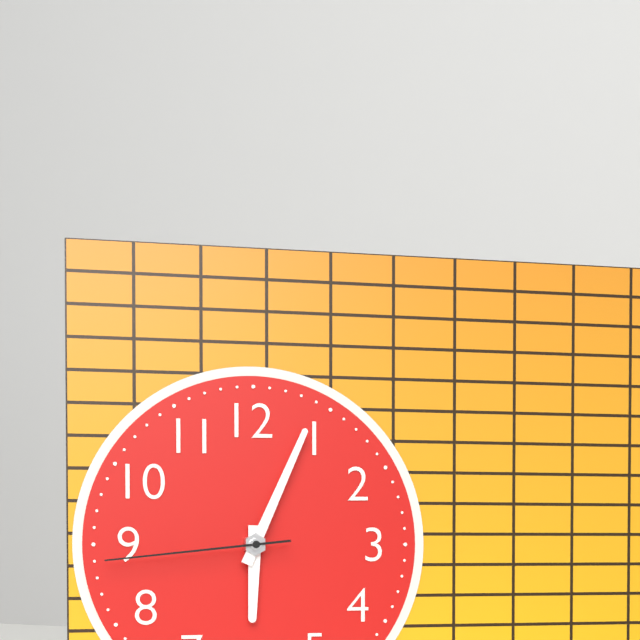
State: h=6 m=4 s=44
